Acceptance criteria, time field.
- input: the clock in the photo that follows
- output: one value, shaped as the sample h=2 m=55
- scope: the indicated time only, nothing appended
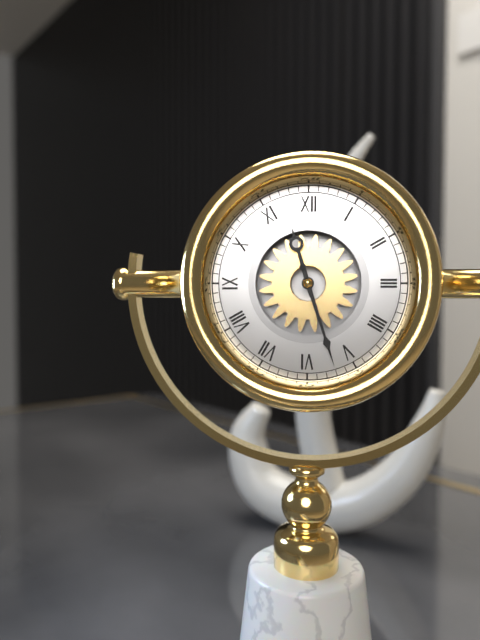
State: h=11 m=27
